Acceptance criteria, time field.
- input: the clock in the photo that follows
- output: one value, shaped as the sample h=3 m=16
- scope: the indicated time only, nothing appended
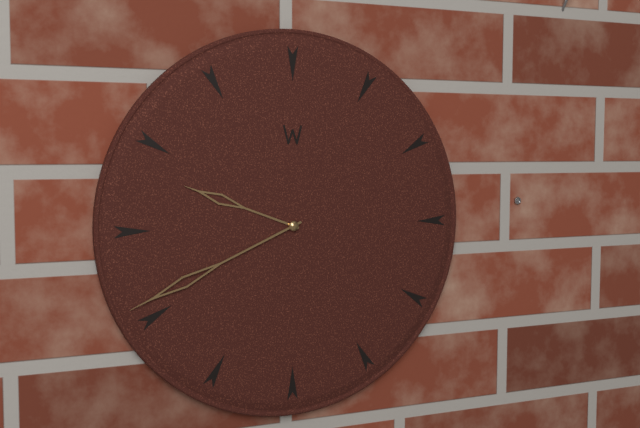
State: h=9 m=41
